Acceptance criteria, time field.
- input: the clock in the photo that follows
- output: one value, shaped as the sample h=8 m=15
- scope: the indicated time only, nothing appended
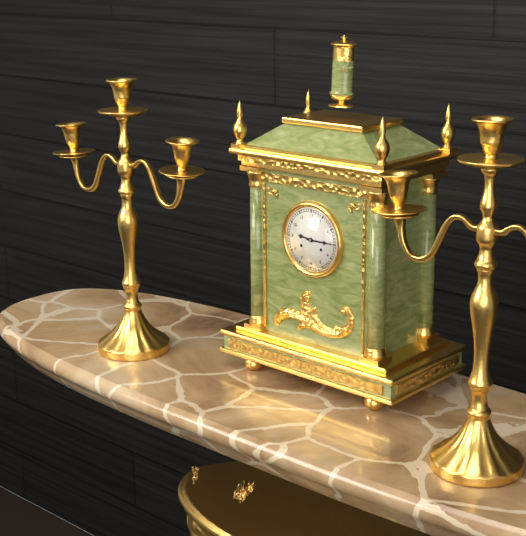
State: h=9 m=15
